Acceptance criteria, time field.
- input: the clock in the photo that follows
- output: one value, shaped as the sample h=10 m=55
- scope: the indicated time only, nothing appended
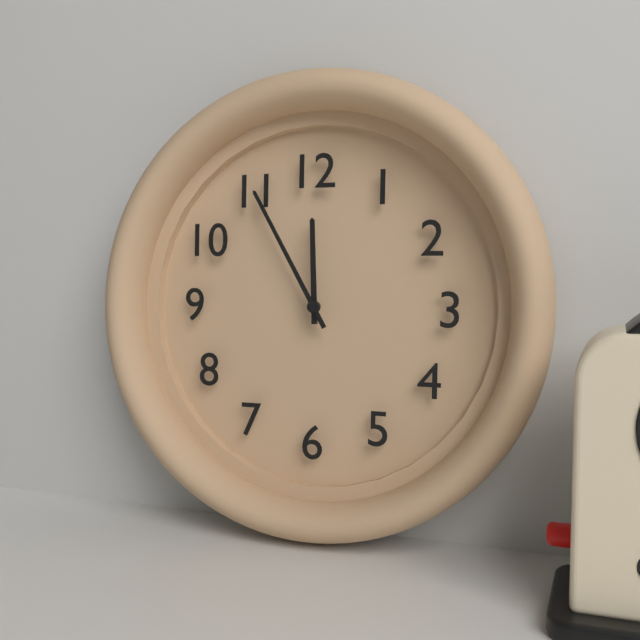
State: h=11 m=55
